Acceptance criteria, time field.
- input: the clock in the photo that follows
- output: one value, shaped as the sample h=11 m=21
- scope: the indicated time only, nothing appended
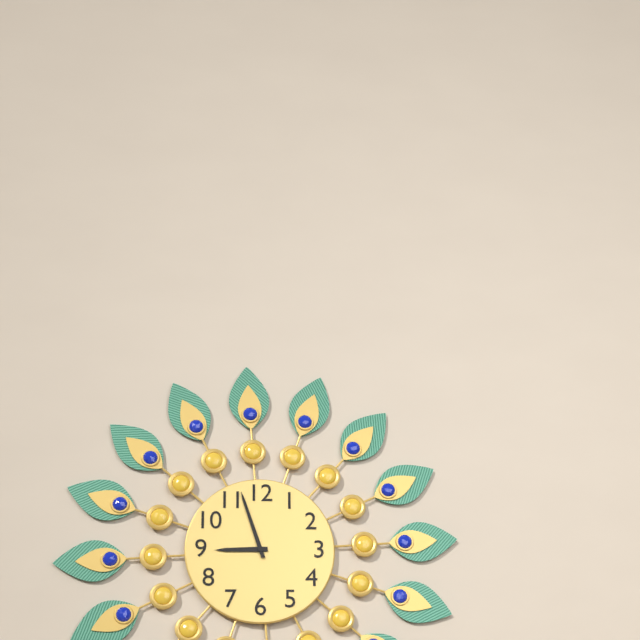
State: h=8 m=57
